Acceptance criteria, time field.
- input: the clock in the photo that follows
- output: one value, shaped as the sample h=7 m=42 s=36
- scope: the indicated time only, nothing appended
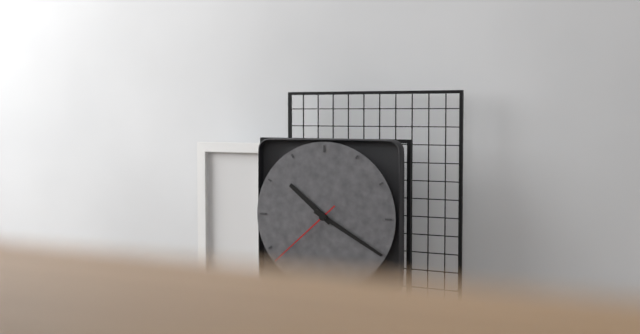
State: h=10 m=20 s=38
